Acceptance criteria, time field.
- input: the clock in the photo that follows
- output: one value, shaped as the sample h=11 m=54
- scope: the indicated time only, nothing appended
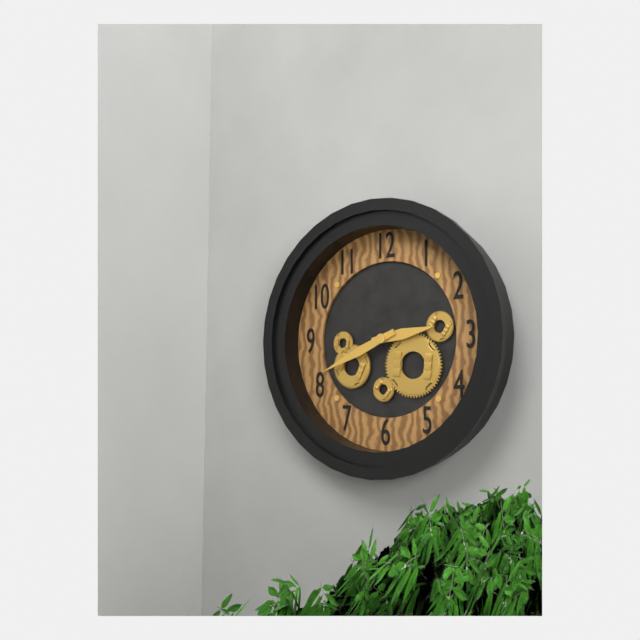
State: h=2 m=41
